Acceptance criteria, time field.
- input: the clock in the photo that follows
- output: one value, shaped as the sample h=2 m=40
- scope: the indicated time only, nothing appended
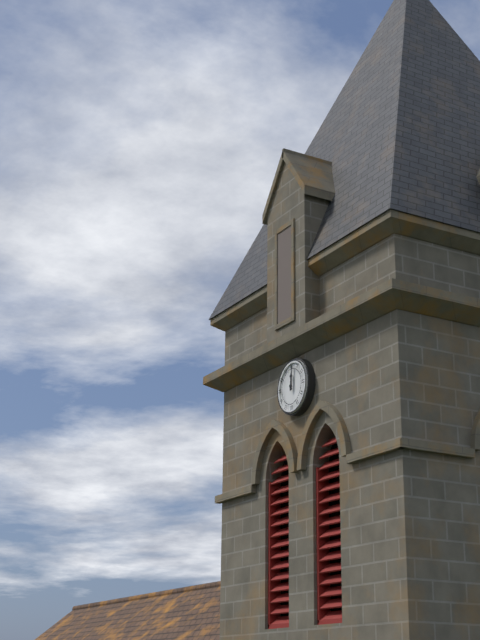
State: h=12 m=1
